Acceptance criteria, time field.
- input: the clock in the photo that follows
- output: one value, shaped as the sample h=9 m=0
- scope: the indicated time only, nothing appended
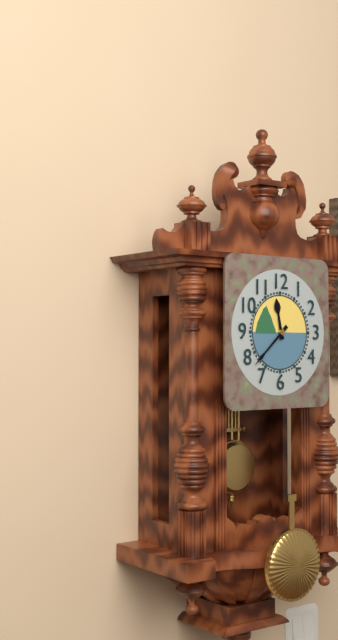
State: h=11 m=38
